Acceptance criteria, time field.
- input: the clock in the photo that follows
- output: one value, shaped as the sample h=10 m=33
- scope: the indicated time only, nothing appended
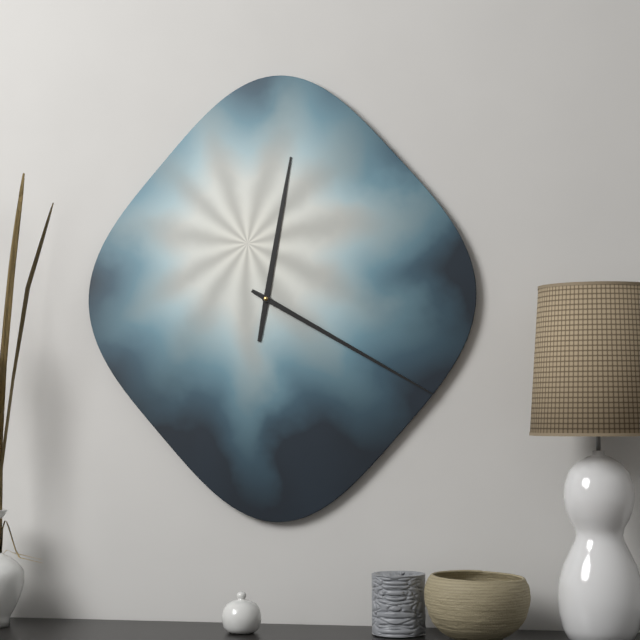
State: h=12 m=20
